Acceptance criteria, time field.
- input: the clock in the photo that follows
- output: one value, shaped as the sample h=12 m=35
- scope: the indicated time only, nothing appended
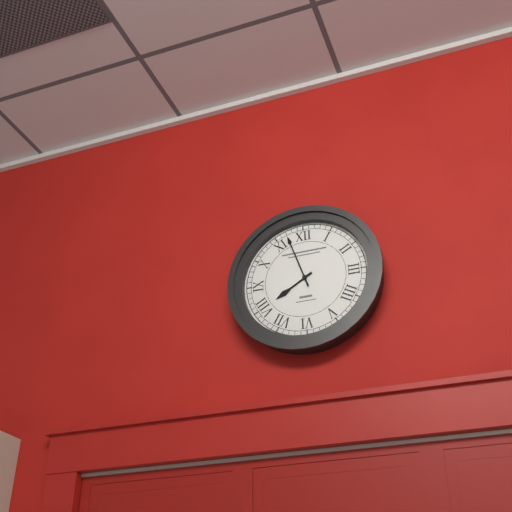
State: h=7 m=57
